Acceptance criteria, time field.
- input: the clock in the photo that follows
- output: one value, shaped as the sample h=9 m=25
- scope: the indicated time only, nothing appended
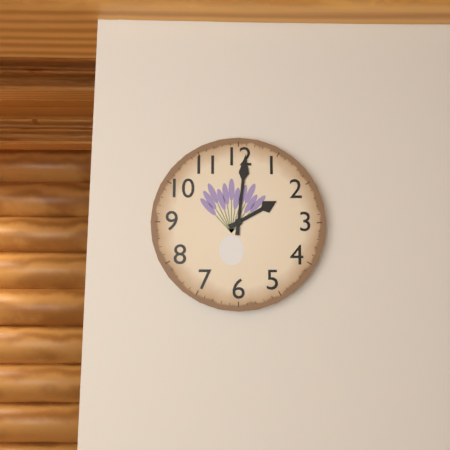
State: h=2 m=1
